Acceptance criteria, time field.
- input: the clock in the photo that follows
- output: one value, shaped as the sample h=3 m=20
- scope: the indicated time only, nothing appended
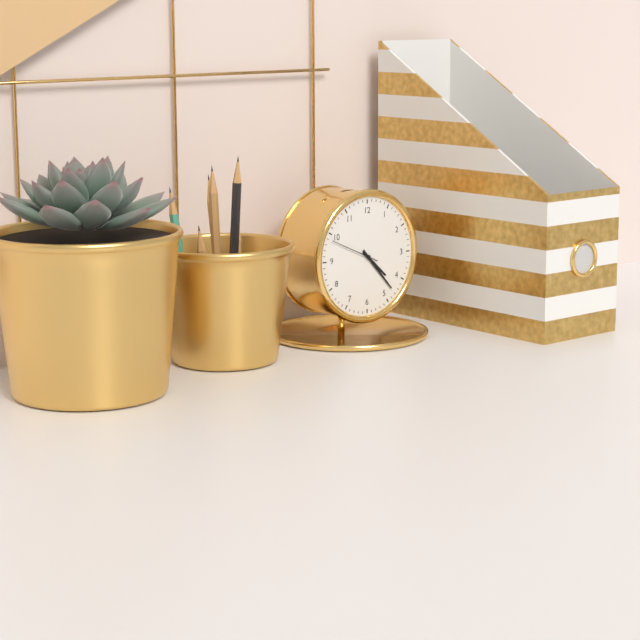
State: h=4 m=23
